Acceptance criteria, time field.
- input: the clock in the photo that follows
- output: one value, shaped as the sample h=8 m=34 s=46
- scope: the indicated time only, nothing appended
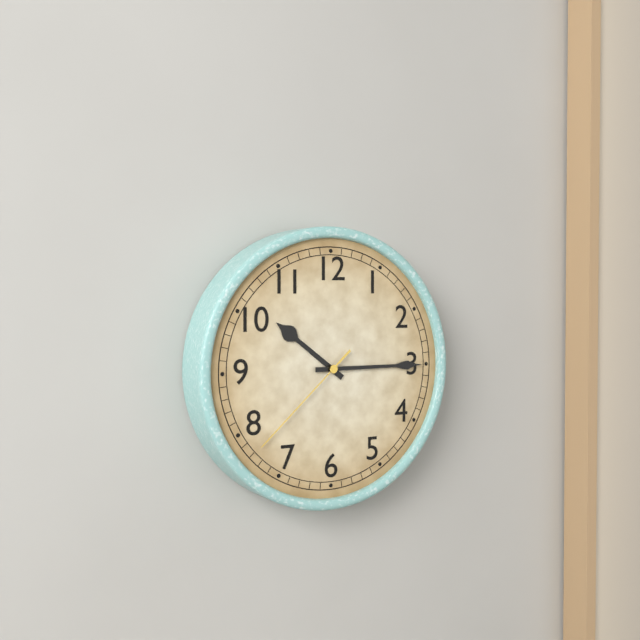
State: h=10 m=15 s=38
